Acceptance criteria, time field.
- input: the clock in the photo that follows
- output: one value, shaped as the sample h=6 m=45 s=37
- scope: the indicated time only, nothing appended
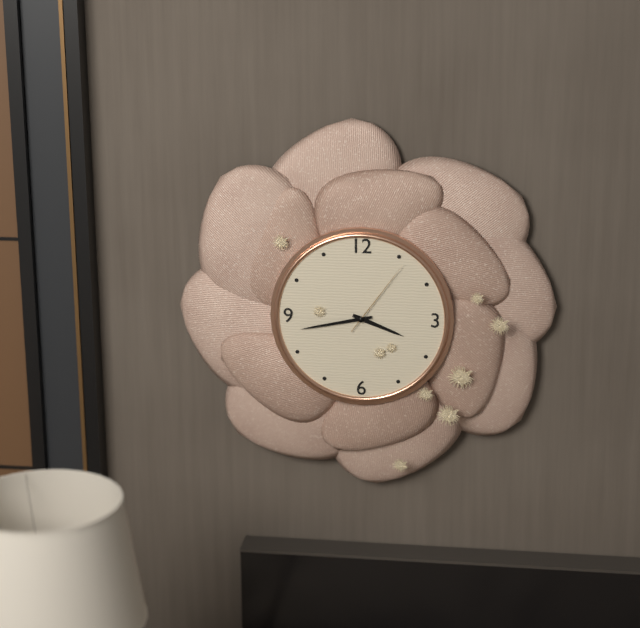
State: h=3 m=43 s=6
